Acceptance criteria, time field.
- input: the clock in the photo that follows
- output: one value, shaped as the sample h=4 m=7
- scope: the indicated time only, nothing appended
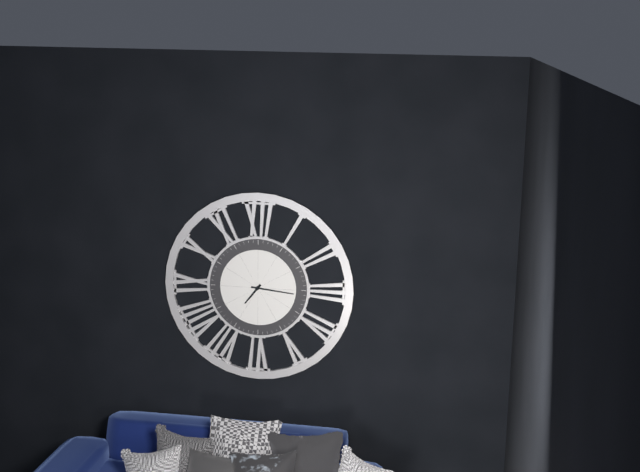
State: h=7 m=16
